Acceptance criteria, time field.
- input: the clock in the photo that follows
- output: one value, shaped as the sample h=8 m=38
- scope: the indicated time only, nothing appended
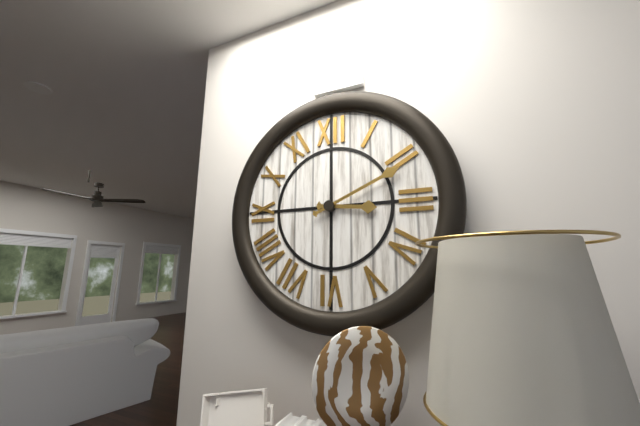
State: h=3 m=11
